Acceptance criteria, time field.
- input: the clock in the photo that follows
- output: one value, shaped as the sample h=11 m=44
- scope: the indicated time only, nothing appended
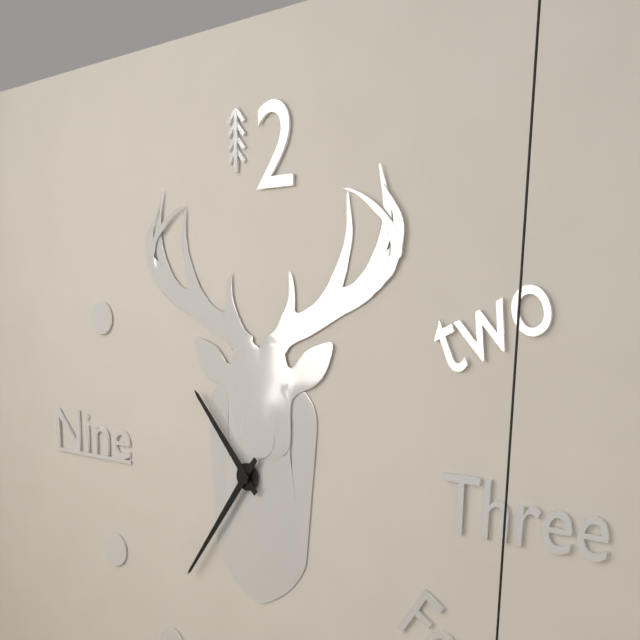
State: h=10 m=36
